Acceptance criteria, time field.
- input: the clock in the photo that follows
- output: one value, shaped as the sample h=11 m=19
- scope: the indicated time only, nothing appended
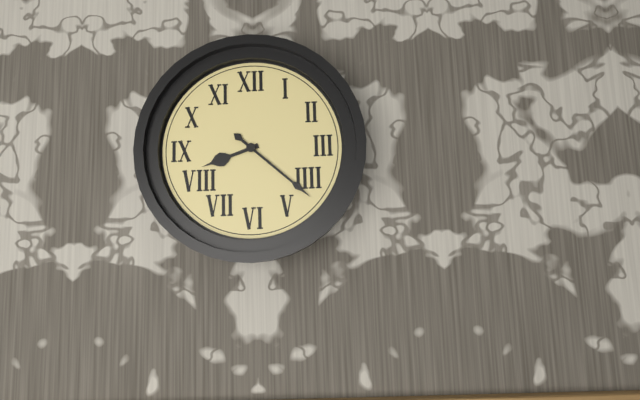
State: h=8 m=22
